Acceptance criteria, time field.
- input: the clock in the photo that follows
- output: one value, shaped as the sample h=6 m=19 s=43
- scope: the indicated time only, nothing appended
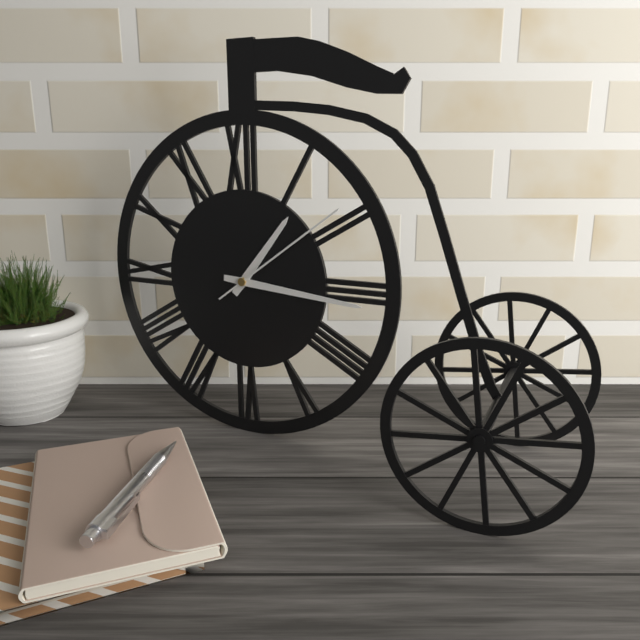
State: h=1 m=16 s=9
